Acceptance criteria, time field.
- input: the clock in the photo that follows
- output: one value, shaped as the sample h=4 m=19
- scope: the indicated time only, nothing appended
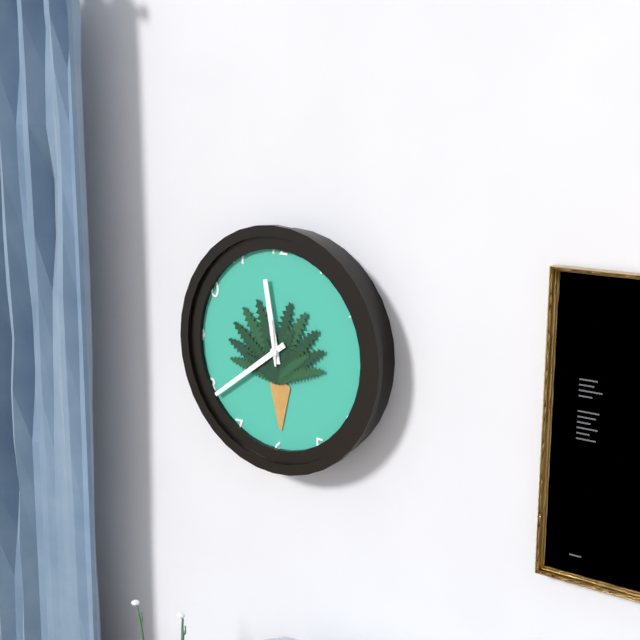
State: h=11 m=39
